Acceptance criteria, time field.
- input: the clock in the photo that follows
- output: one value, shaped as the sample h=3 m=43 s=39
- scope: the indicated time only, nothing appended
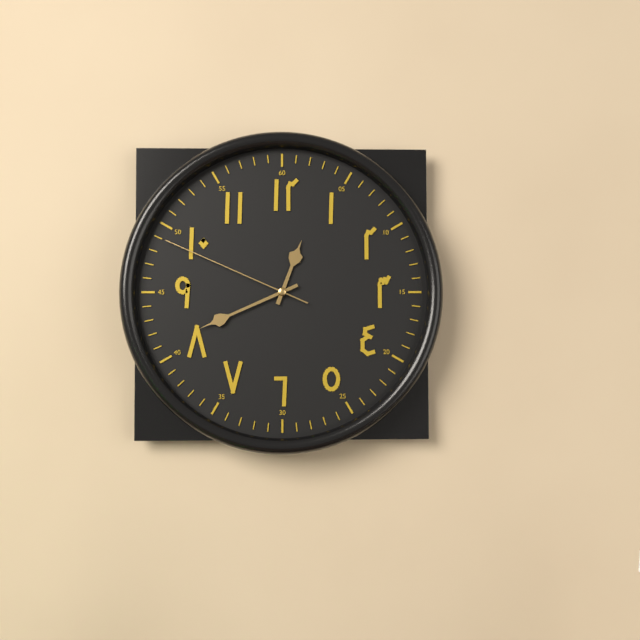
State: h=12 m=41 s=49
